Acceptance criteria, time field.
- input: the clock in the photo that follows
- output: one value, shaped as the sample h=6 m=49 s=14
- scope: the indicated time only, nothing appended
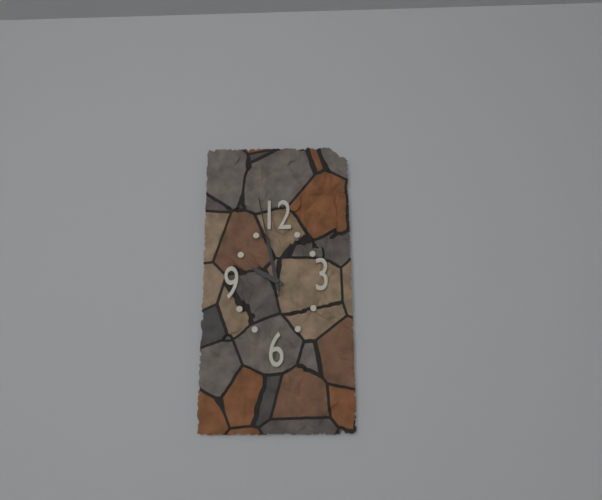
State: h=9 m=58 s=58
